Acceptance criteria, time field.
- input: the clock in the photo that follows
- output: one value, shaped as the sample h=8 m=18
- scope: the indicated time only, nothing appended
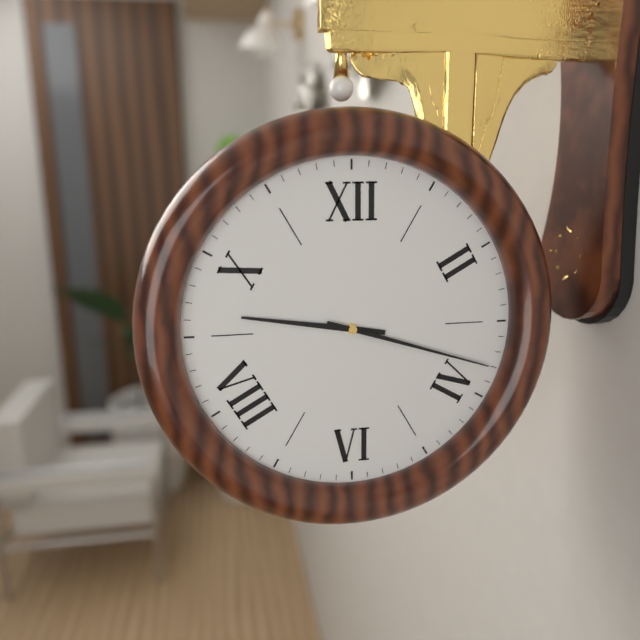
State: h=9 m=18
